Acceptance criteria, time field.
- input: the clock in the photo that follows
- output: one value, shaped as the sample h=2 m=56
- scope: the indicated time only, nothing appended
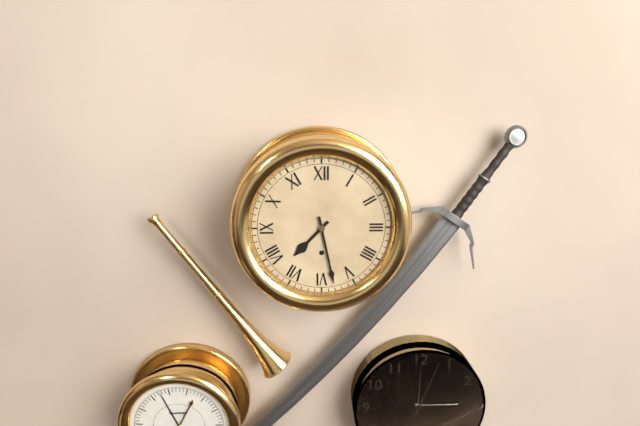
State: h=7 m=28
